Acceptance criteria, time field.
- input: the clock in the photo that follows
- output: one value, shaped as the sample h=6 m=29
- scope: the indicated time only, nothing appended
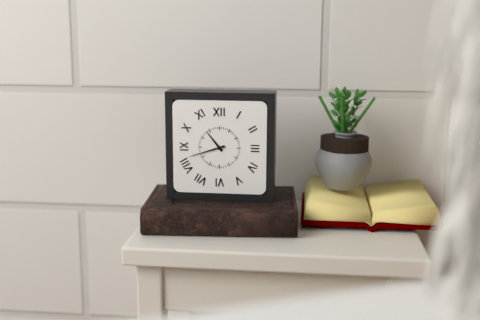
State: h=10 m=42
